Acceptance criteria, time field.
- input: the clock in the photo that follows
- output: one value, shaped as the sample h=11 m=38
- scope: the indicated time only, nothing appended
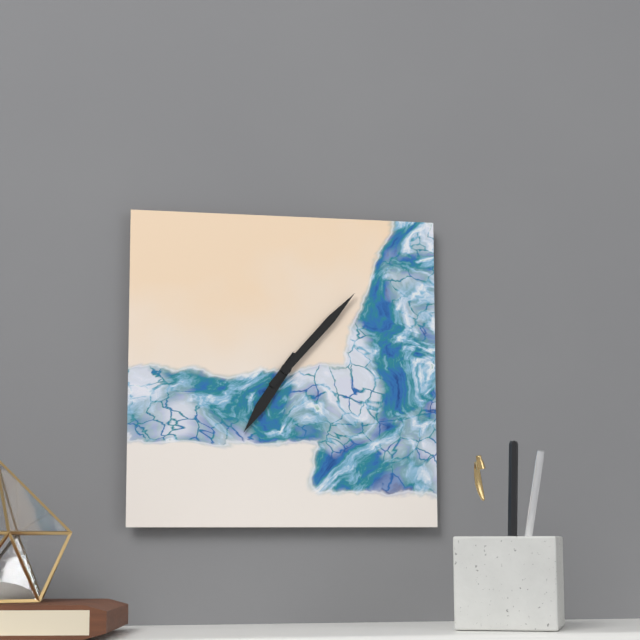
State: h=7 m=7
